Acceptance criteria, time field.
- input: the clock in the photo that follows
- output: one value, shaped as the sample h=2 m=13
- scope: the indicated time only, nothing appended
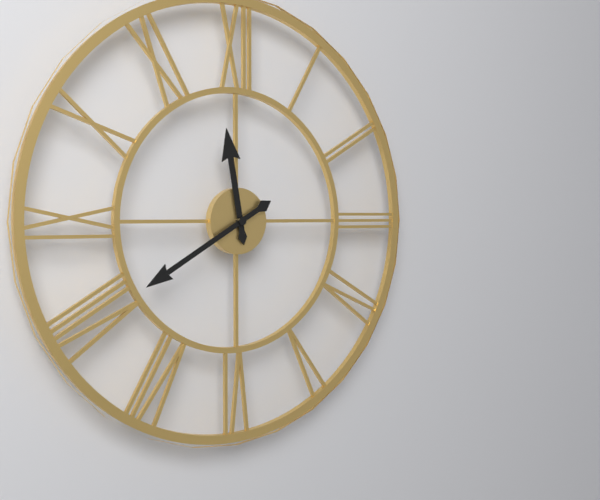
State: h=11 m=40
